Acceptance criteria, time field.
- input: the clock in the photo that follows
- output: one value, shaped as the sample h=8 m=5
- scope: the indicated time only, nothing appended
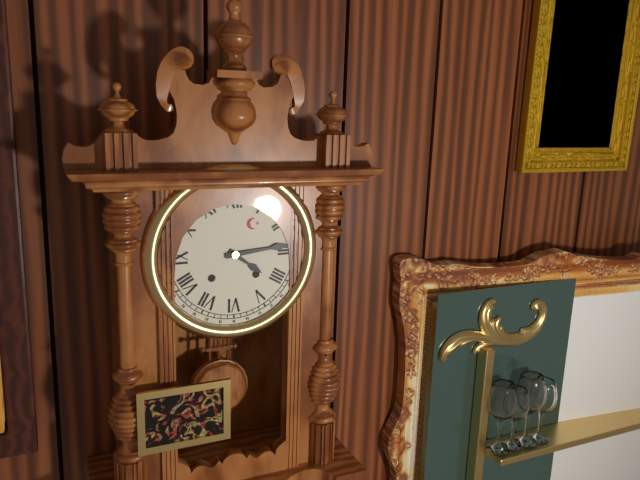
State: h=4 m=14
